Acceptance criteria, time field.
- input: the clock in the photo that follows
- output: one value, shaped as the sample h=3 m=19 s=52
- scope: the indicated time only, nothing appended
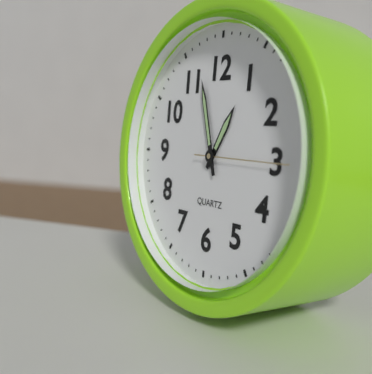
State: h=12 m=57 s=15
